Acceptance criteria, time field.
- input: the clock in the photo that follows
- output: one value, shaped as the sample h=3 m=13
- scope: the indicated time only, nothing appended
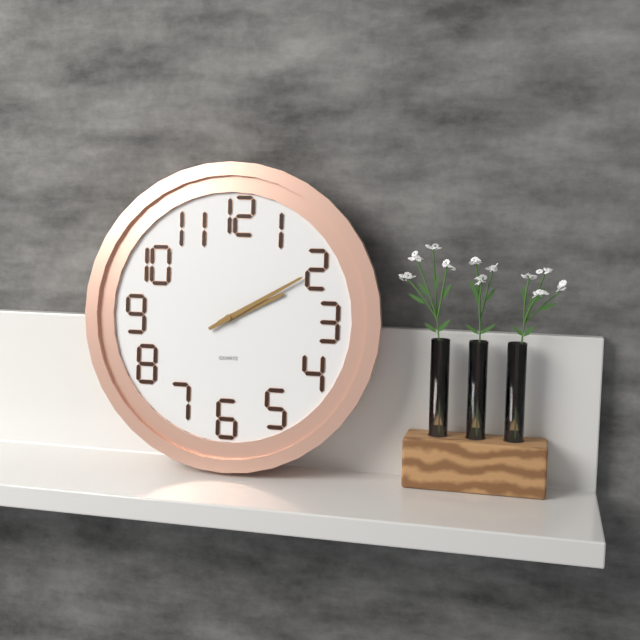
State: h=2 m=10
